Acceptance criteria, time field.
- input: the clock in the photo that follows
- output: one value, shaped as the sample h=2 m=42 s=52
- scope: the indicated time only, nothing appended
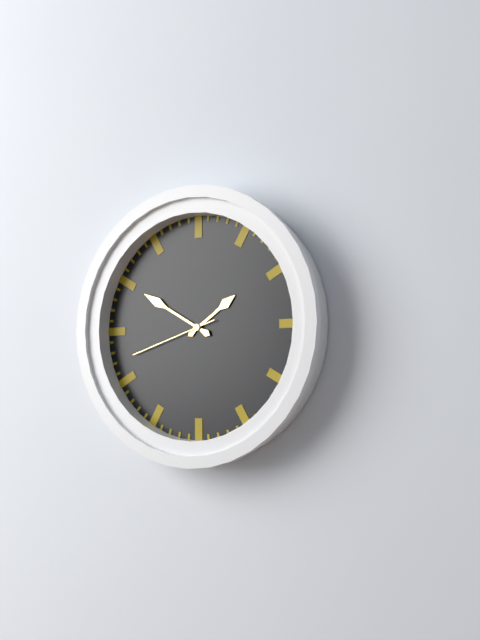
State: h=1 m=50 s=42
